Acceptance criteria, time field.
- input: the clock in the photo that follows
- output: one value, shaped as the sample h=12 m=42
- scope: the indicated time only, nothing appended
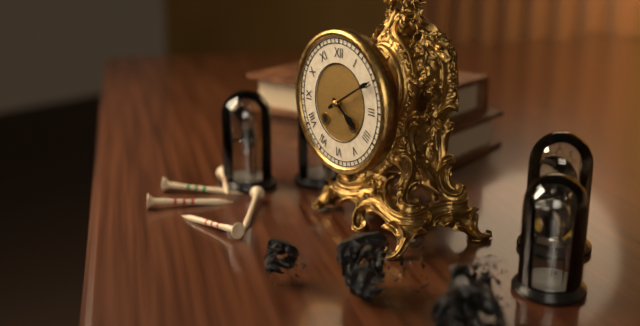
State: h=4 m=10
